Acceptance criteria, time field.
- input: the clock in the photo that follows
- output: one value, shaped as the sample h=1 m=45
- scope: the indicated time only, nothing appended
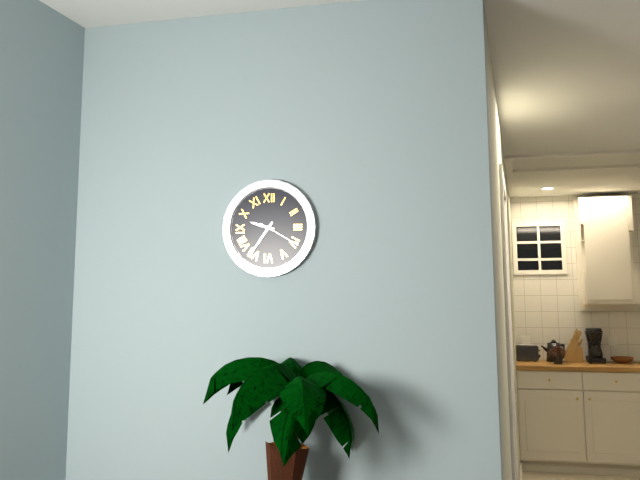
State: h=9 m=36
